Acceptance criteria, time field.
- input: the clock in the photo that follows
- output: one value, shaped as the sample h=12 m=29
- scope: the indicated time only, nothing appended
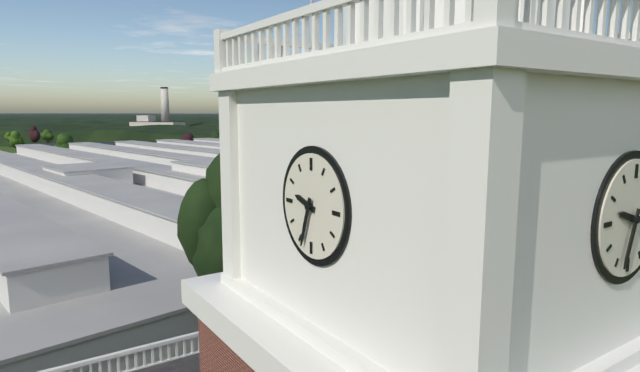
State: h=9 m=33
